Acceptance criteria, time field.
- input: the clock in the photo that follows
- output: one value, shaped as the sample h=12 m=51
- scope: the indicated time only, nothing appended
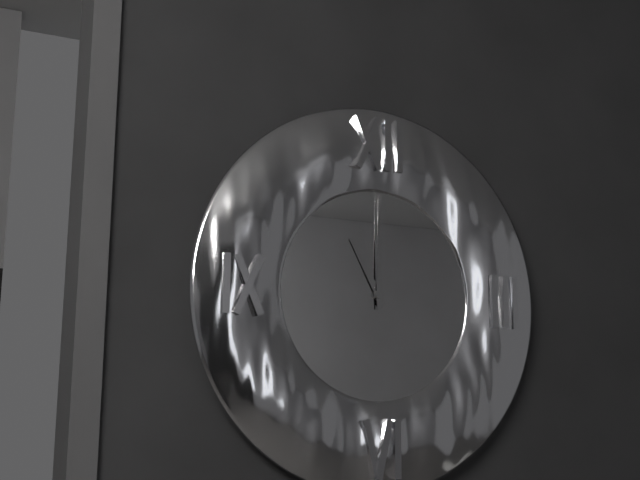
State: h=11 m=0
